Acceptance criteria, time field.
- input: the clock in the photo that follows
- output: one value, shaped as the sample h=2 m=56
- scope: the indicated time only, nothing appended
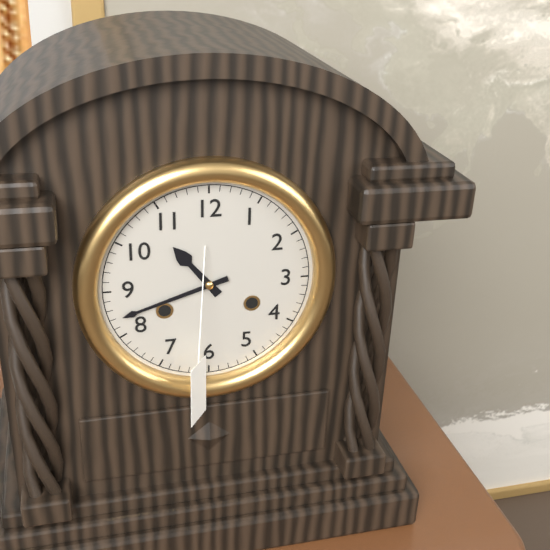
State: h=10 m=42
